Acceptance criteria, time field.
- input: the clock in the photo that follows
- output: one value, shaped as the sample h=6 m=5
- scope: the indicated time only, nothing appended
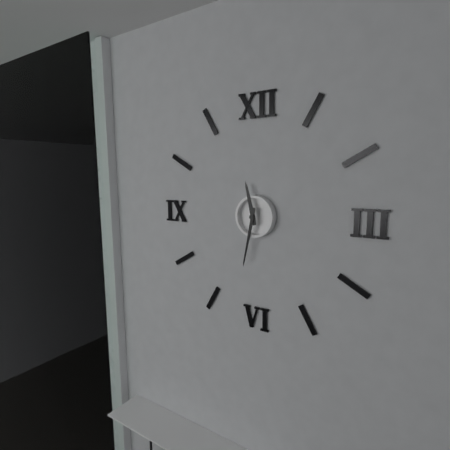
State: h=11 m=32
